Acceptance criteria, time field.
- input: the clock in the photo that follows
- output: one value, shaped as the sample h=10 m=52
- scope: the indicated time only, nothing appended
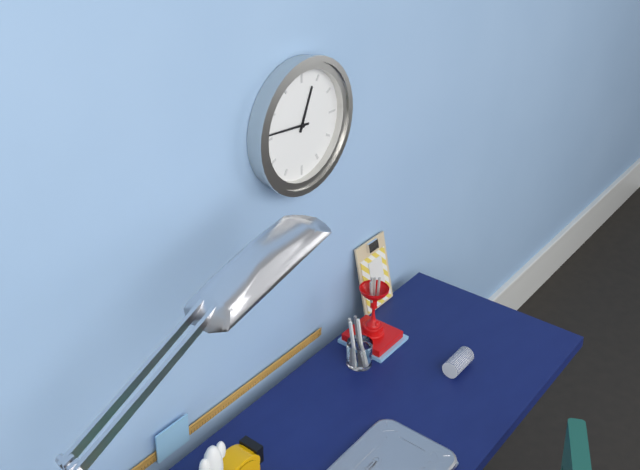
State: h=12 m=46
